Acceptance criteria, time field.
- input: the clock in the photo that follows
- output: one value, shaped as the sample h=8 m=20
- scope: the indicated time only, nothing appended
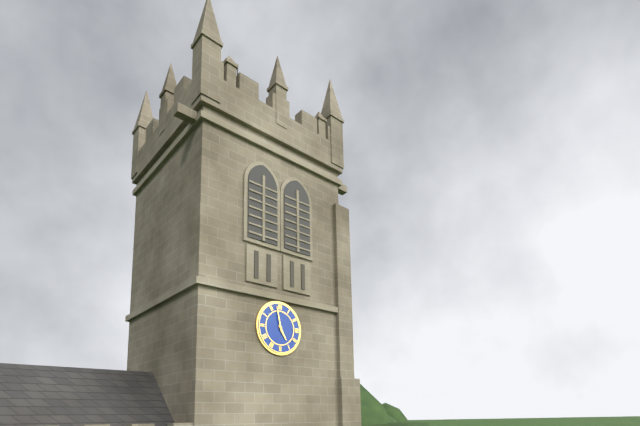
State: h=4 m=58
